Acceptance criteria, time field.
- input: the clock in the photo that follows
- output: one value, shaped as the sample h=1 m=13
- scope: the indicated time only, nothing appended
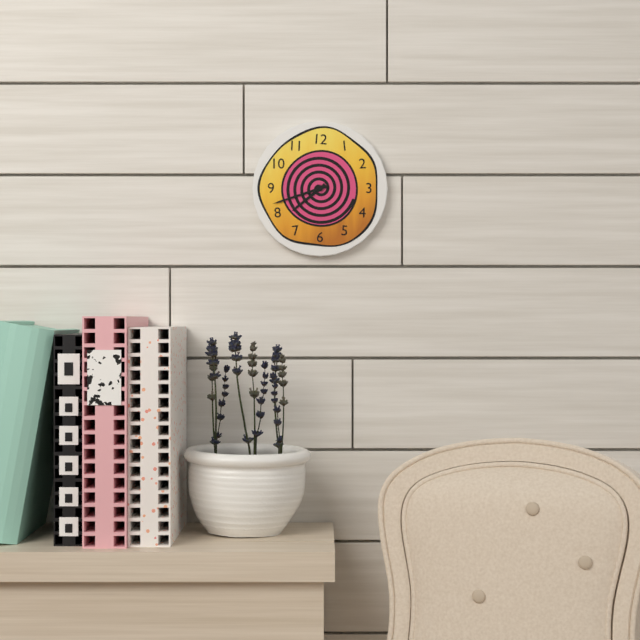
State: h=7 m=42
